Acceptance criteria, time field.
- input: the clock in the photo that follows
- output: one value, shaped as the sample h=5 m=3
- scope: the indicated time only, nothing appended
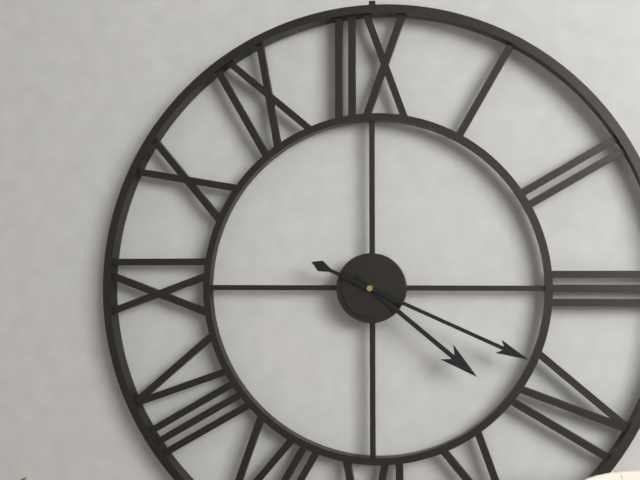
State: h=4 m=19
